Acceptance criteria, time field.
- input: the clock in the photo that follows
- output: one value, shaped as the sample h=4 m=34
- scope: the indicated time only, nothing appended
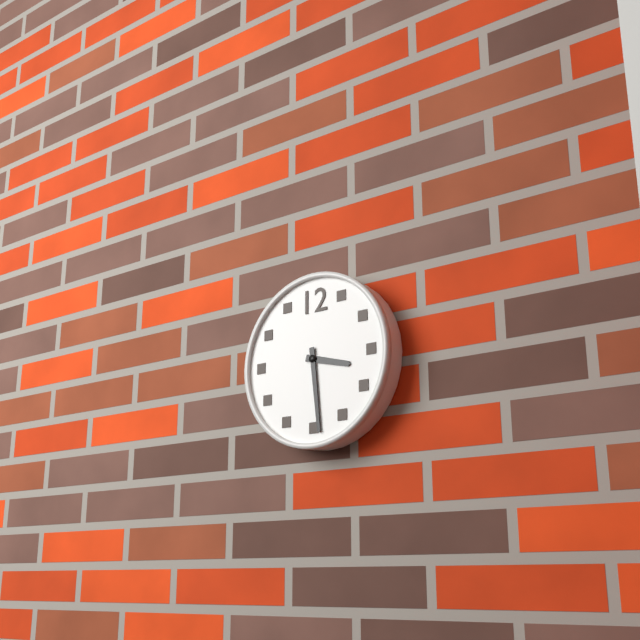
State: h=3 m=29
